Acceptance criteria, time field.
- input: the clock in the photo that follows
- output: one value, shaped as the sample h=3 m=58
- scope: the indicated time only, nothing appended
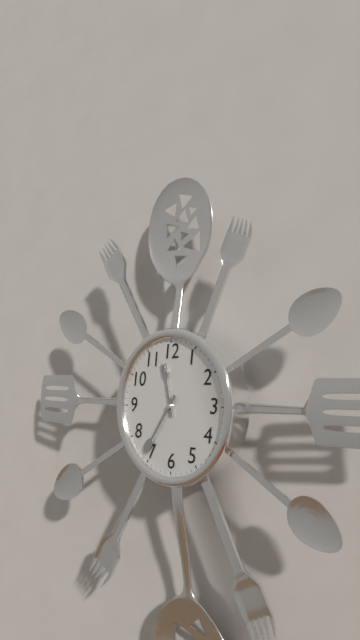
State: h=11 m=36
